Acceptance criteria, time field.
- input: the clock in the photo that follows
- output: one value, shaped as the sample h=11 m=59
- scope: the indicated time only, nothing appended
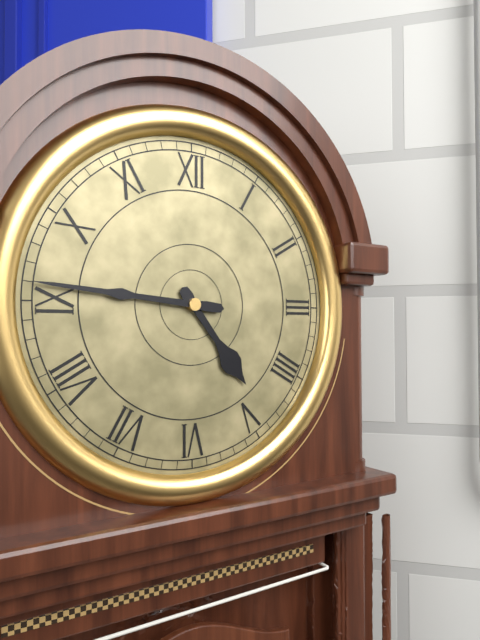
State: h=4 m=46
